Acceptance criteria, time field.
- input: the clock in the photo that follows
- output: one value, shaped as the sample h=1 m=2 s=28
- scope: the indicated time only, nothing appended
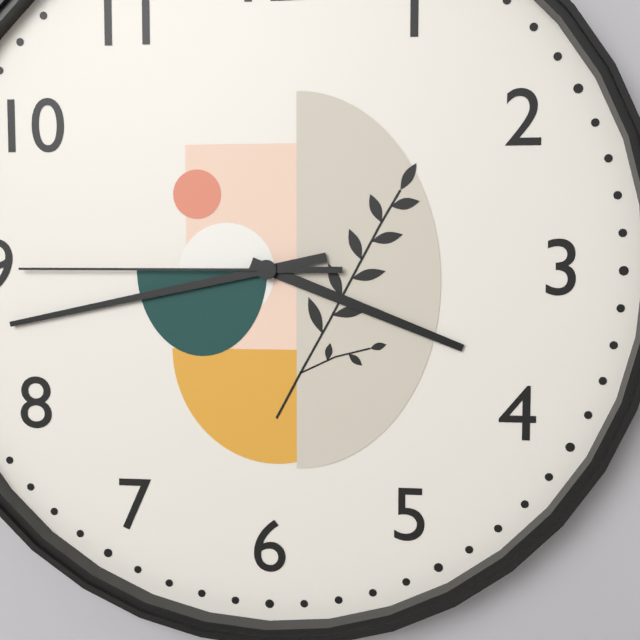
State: h=3 m=43 s=45
